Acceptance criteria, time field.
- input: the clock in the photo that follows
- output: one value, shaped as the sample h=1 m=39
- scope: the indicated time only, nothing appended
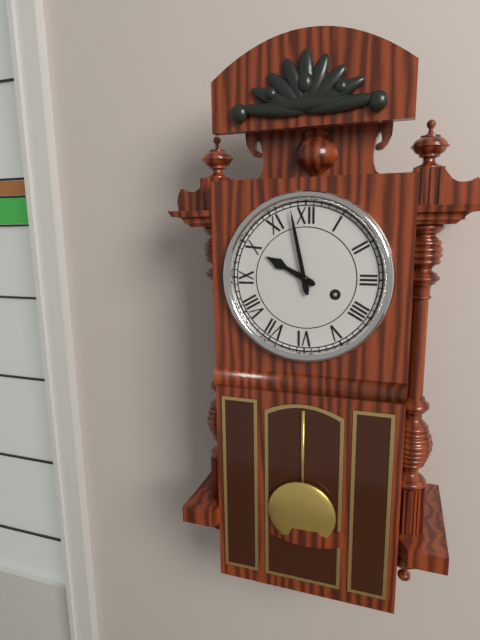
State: h=9 m=58
